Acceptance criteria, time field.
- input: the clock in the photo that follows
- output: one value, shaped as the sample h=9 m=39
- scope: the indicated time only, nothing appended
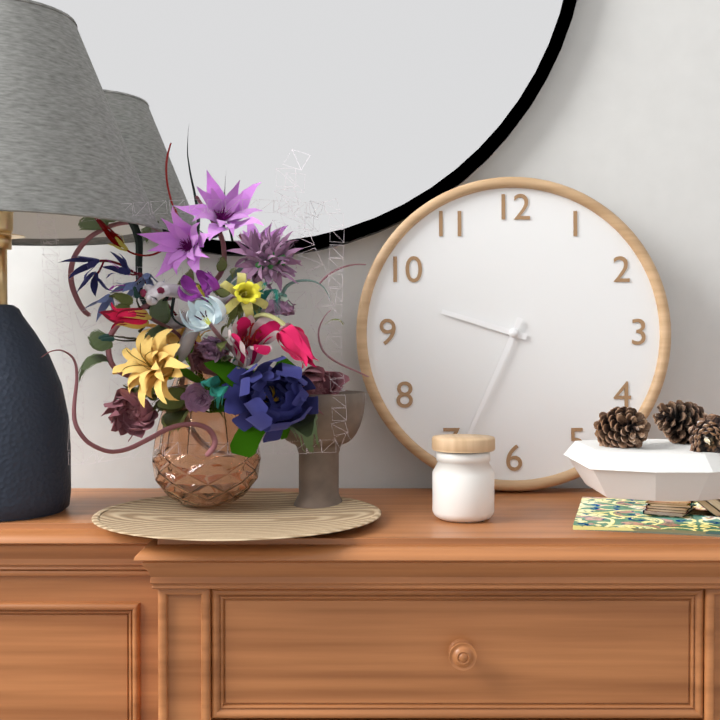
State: h=9 m=34
